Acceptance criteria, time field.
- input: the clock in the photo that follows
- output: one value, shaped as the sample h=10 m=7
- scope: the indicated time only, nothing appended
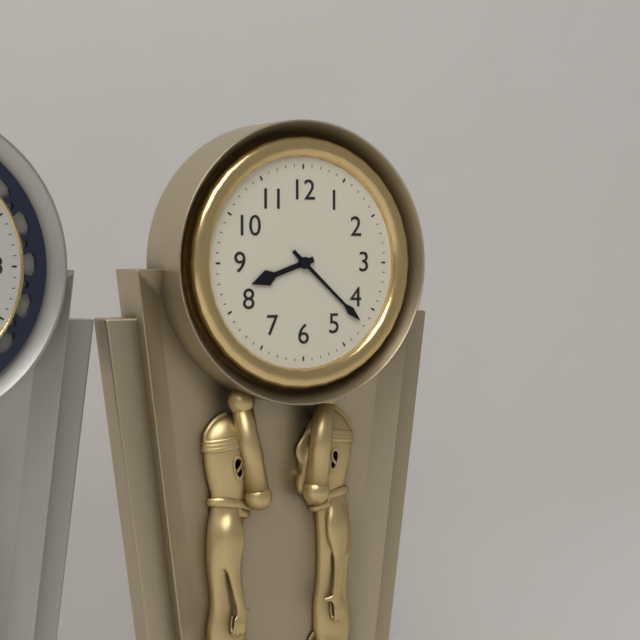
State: h=8 m=22
